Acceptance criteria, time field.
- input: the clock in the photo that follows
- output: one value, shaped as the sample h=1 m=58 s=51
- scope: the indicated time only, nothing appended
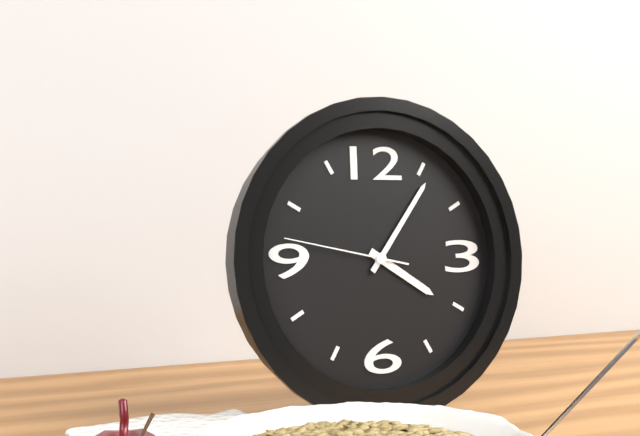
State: h=4 m=6 s=47
